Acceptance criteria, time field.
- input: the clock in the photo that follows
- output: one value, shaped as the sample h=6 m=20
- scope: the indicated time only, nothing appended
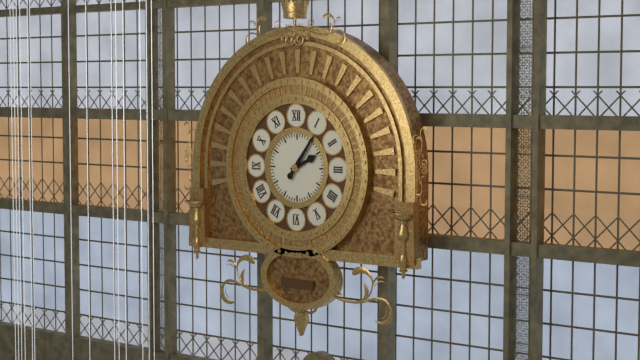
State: h=2 m=6
